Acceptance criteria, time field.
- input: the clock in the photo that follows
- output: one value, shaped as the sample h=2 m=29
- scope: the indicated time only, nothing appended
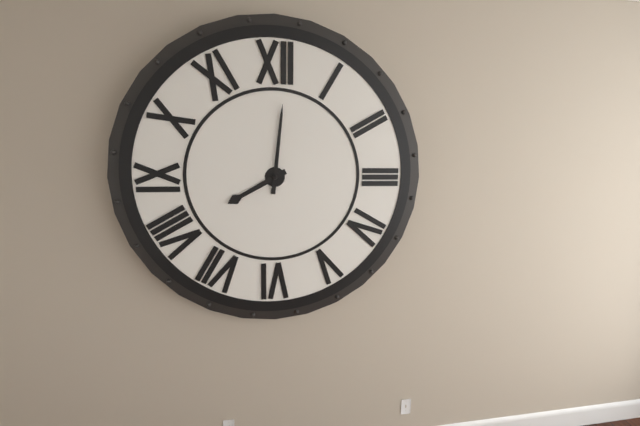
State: h=8 m=1
